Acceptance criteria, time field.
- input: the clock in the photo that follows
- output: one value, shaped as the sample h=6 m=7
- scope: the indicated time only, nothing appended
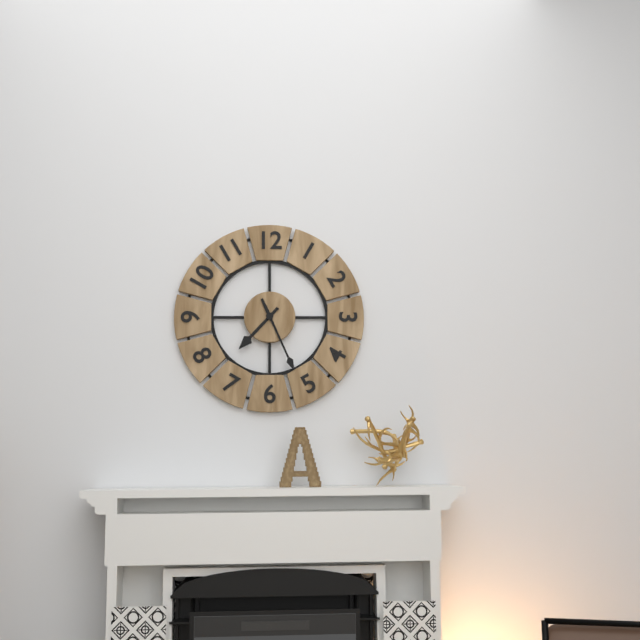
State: h=7 m=26
